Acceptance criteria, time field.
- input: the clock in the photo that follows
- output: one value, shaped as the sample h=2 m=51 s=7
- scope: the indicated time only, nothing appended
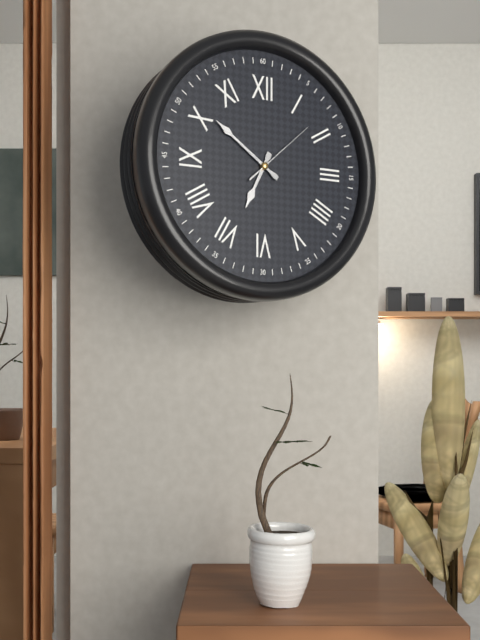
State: h=6 m=51 s=8
